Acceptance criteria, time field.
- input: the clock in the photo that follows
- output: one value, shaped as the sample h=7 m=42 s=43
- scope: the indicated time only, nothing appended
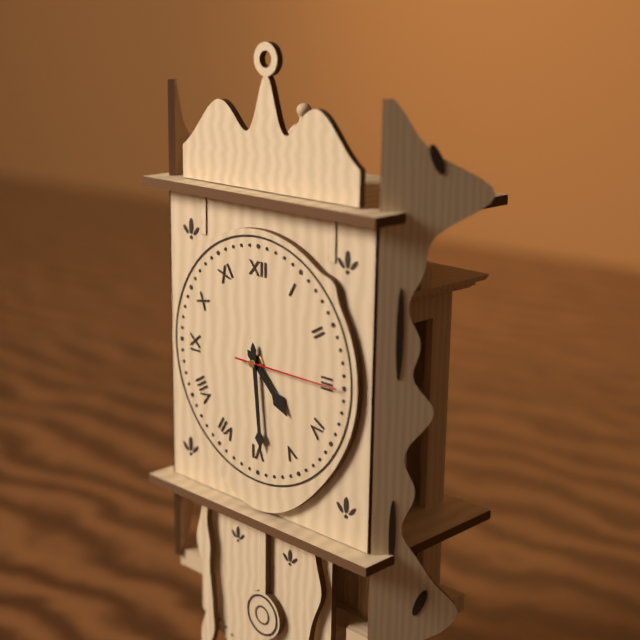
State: h=4 m=29 s=15
